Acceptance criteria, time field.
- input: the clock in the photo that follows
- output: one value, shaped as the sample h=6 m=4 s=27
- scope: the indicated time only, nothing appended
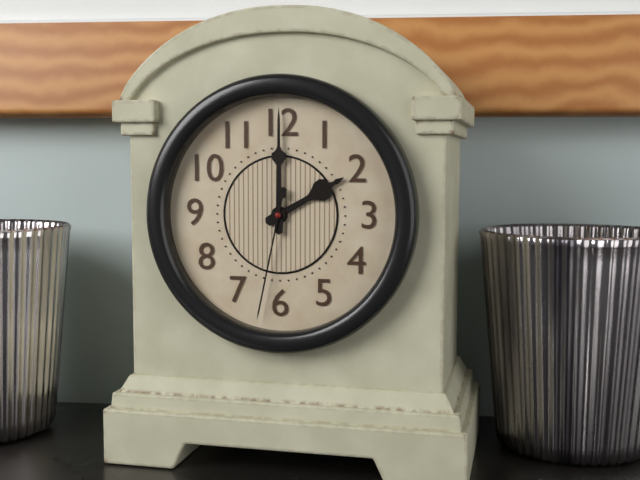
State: h=2 m=0 s=32
